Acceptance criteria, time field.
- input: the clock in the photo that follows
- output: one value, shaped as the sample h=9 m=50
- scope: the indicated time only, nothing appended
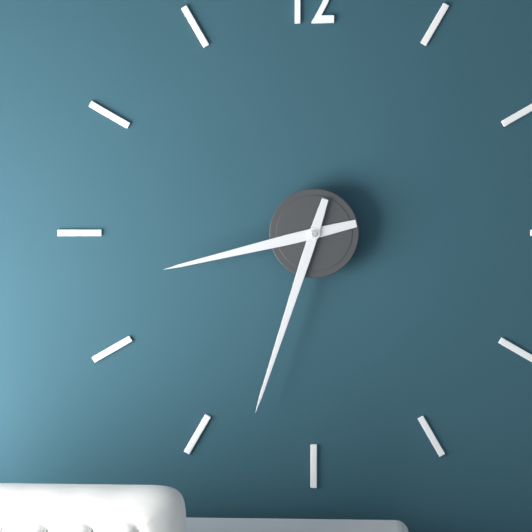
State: h=8 m=33
